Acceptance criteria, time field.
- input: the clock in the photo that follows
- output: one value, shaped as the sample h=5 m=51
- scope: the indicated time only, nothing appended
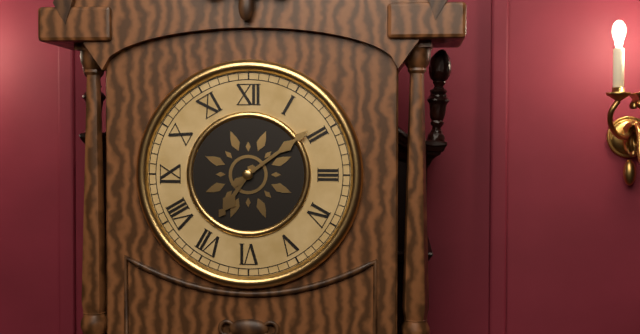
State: h=7 m=9
